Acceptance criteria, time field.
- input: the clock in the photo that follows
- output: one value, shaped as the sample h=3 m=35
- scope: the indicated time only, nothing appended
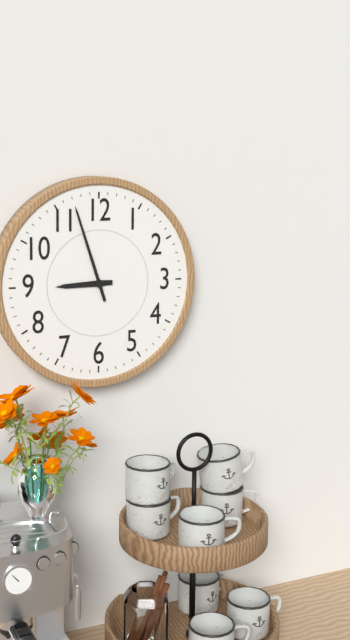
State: h=8 m=57
